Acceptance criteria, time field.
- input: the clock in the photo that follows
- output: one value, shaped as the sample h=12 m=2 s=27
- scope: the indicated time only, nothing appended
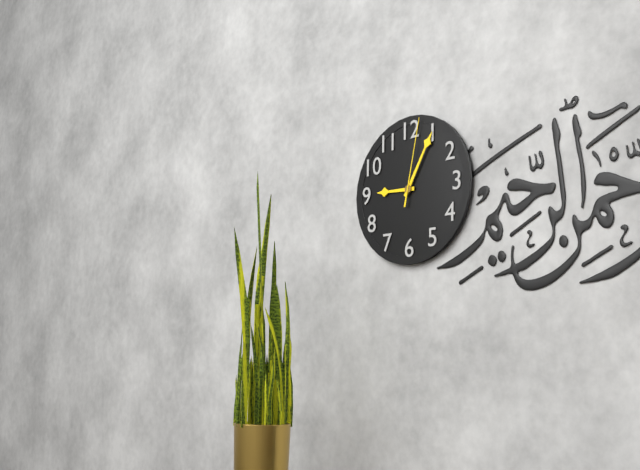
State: h=9 m=5 s=2
